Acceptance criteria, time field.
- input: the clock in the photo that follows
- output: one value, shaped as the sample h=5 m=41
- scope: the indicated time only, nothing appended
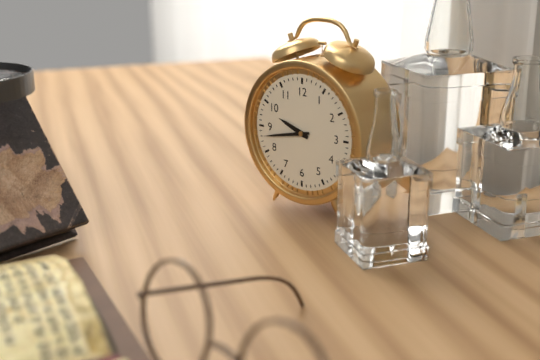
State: h=9 m=43
